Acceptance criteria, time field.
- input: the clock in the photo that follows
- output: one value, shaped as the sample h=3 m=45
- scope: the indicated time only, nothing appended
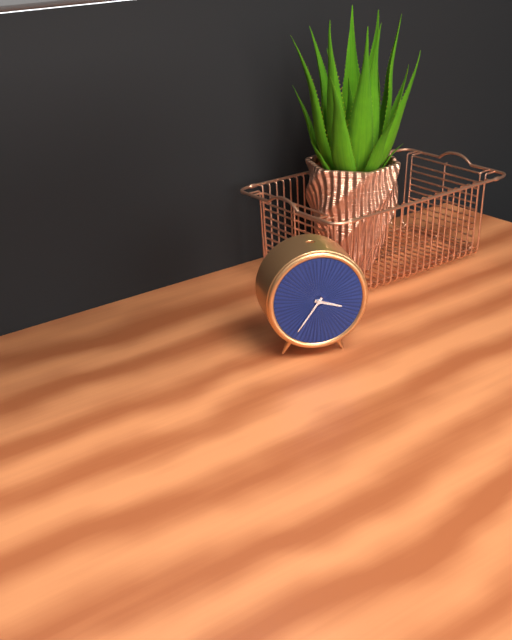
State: h=3 m=36
